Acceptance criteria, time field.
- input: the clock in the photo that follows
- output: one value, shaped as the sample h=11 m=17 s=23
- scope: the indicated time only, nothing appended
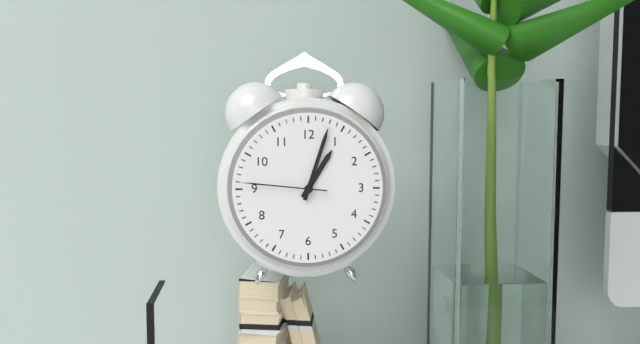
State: h=1 m=3 s=46
